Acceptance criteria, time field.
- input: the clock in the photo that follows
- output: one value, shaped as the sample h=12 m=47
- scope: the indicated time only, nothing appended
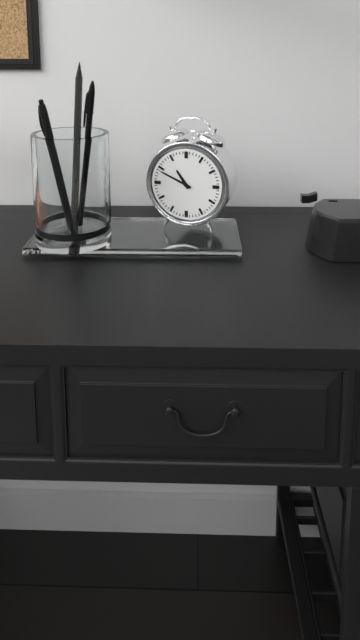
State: h=10 m=49
